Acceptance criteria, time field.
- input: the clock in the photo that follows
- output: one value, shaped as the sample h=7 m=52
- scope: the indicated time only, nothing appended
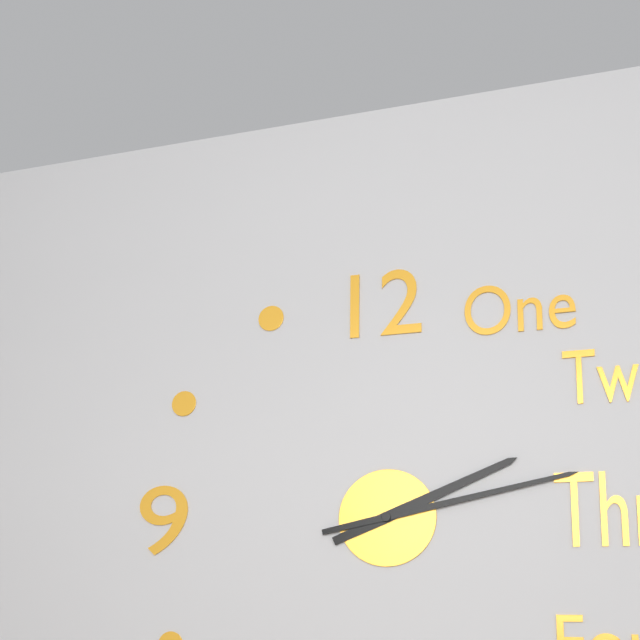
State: h=2 m=13
